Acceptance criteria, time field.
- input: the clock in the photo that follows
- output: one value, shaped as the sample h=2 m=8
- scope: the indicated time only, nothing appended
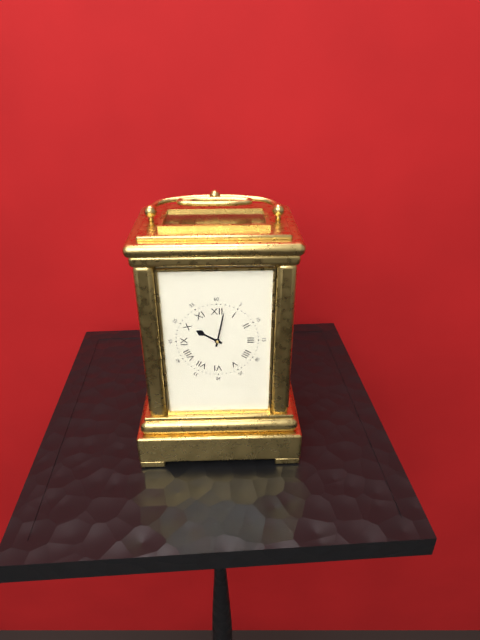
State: h=10 m=2
